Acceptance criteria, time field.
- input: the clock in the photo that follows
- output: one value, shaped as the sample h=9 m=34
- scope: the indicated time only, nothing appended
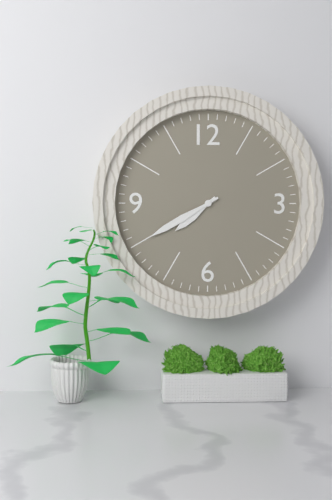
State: h=7 m=40
